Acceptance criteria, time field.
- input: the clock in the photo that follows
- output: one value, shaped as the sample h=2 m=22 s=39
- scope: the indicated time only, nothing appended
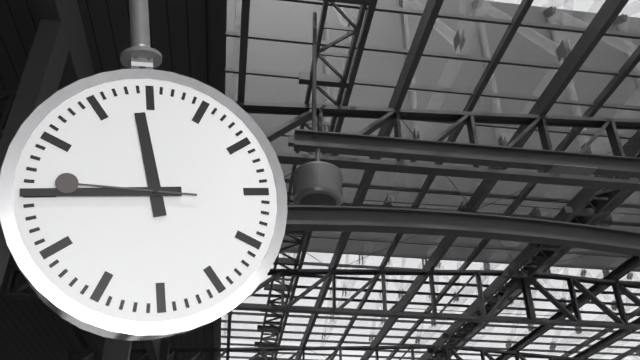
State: h=11 m=45 s=46
